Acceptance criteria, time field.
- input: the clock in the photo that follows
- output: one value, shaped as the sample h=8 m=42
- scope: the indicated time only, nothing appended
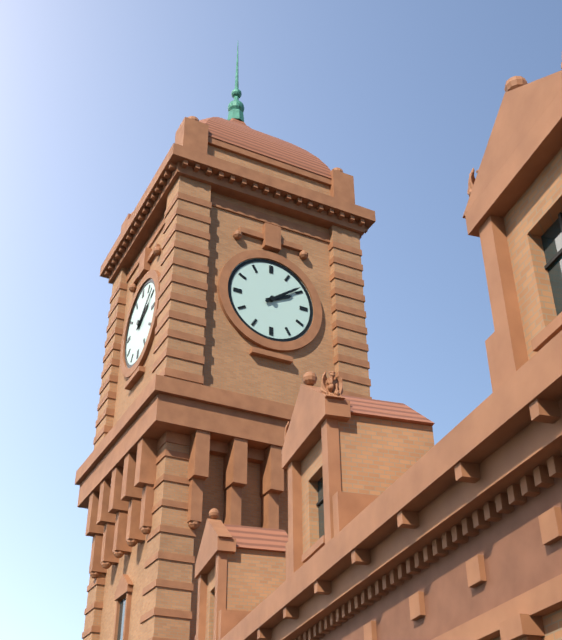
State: h=2 m=9
